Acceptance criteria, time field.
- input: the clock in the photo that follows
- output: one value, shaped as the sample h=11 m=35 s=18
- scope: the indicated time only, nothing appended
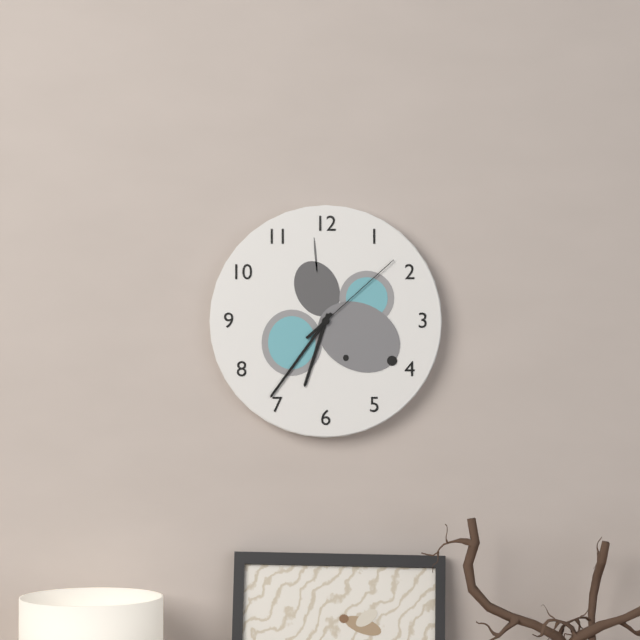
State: h=6 m=36 s=8
